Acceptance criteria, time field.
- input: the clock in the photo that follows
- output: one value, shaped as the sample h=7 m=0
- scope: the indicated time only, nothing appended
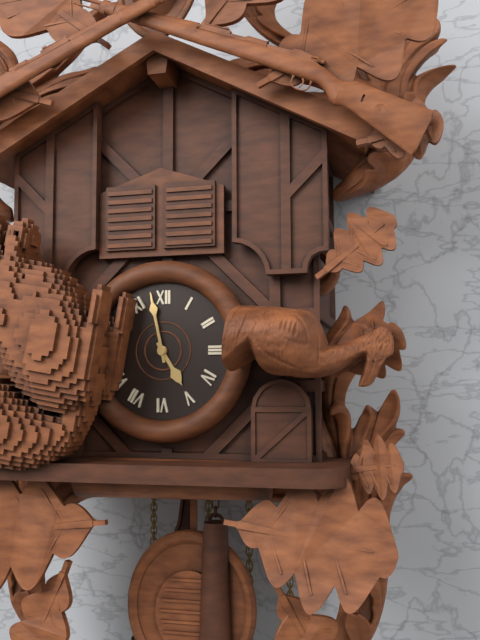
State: h=4 m=58
